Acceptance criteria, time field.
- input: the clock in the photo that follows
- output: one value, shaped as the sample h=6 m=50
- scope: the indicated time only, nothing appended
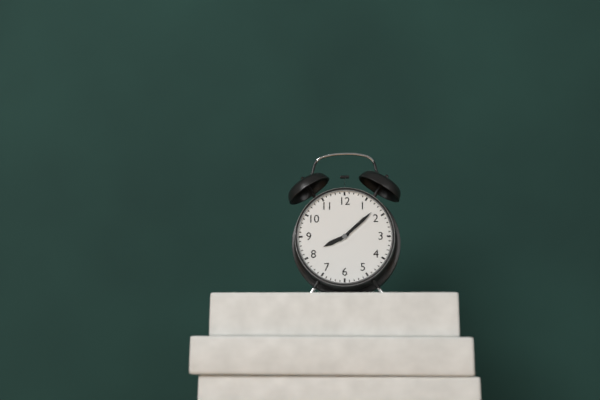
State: h=8 m=8
